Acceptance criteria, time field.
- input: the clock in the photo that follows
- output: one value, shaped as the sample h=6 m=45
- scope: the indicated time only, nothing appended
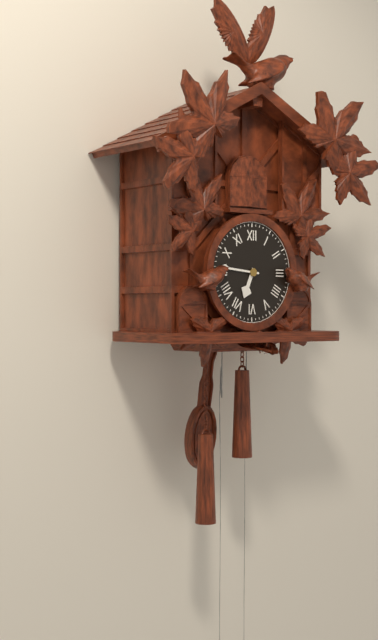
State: h=6 m=46
